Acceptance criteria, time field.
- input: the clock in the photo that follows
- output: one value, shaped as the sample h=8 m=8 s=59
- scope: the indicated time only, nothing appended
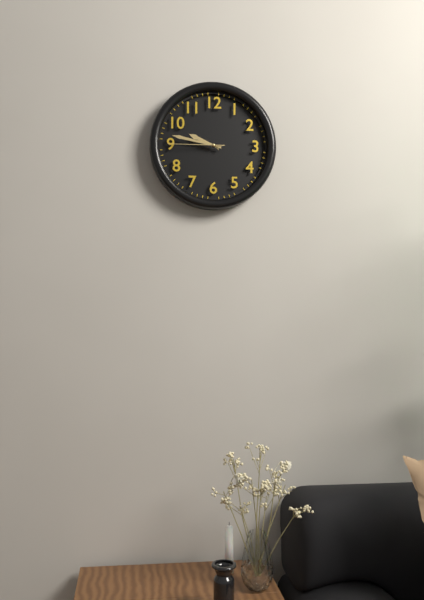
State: h=9 m=47 s=45
